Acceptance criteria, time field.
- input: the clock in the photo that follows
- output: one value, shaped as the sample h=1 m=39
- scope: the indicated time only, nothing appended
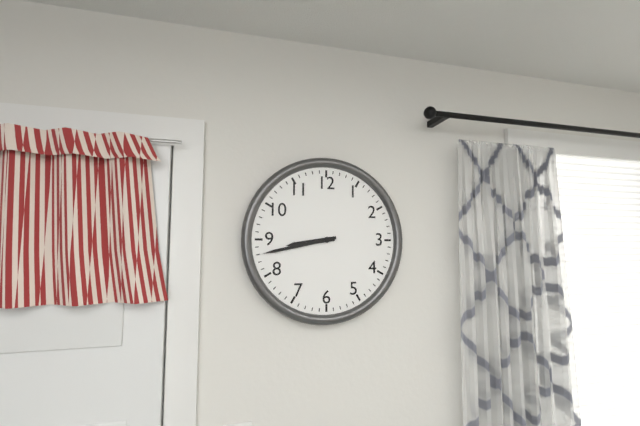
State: h=8 m=43
